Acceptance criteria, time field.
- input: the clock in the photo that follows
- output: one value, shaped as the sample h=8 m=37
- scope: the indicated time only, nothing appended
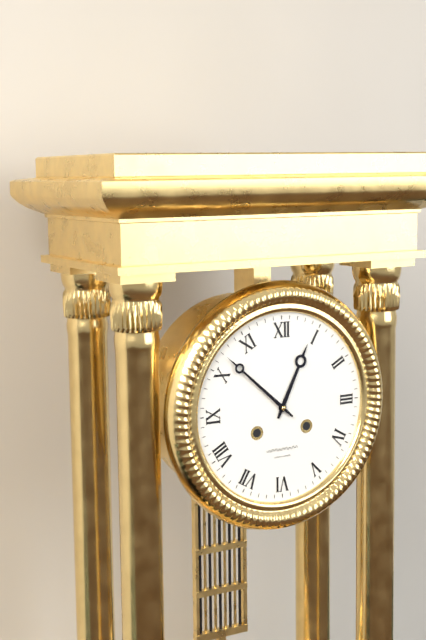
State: h=12 m=52
